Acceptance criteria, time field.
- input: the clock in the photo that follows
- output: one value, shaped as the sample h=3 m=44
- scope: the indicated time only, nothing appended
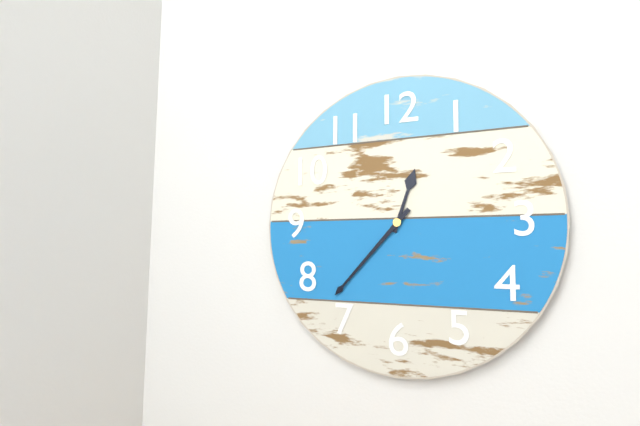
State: h=12 m=37
